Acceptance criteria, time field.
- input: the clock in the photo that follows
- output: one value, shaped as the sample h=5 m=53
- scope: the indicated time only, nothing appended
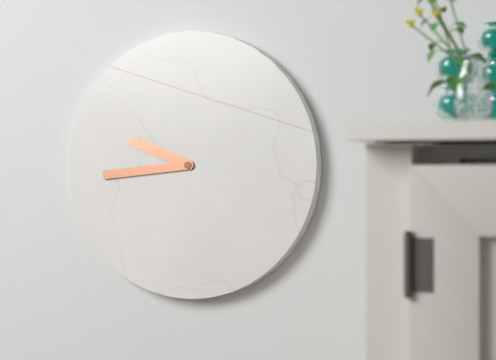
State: h=9 m=44
